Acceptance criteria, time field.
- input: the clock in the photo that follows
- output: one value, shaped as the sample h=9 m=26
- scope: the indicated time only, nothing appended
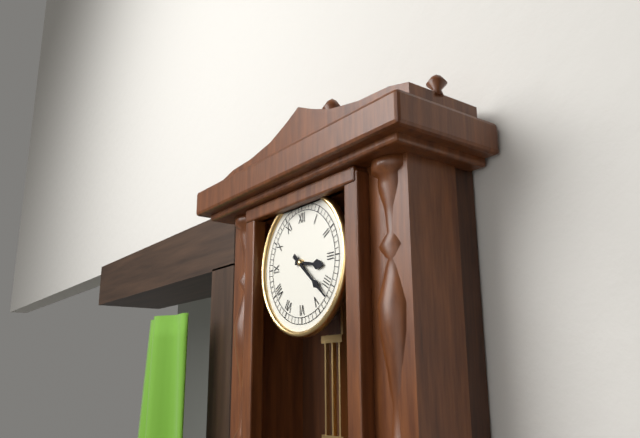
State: h=3 m=22
